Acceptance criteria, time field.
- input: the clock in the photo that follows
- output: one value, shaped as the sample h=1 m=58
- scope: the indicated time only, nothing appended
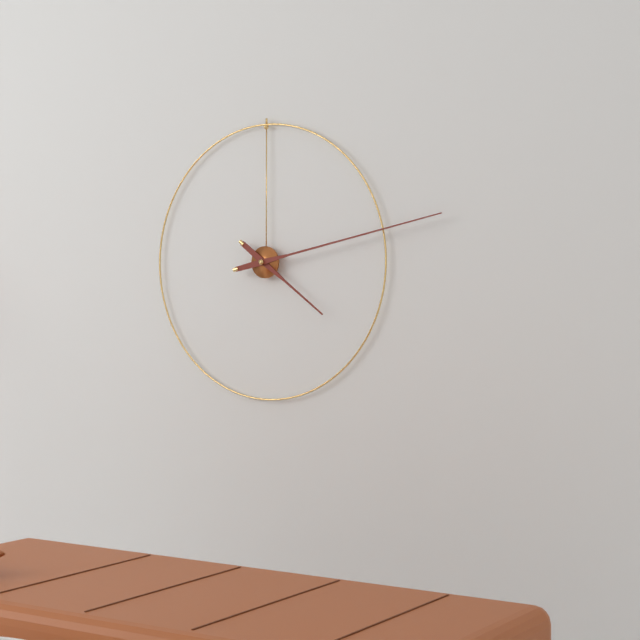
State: h=4 m=13
